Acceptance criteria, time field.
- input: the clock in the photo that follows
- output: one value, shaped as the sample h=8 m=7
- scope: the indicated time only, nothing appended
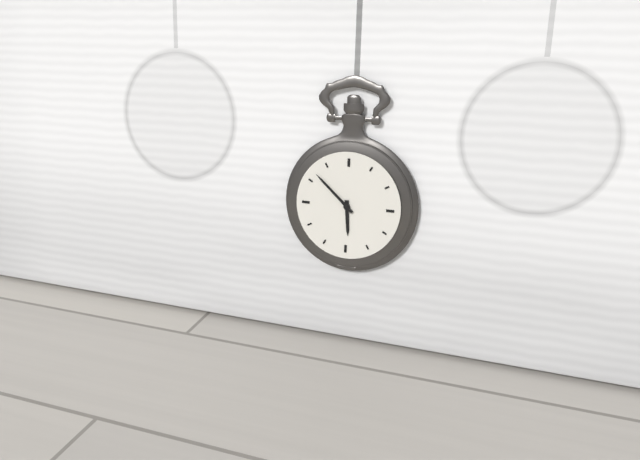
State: h=5 m=52
